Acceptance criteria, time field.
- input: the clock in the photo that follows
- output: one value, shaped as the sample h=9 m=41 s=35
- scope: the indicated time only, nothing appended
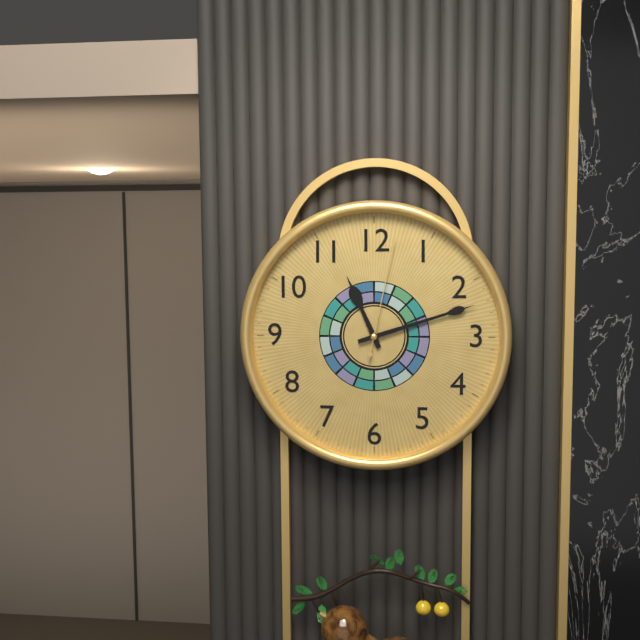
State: h=11 m=12 s=2
